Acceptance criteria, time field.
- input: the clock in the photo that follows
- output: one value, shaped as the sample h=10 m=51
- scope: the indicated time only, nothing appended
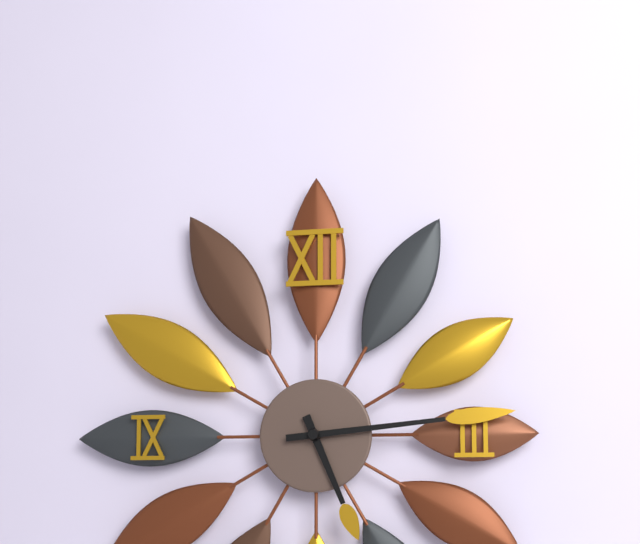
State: h=5 m=14
